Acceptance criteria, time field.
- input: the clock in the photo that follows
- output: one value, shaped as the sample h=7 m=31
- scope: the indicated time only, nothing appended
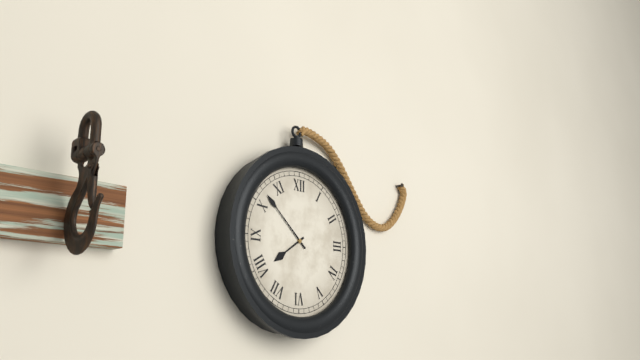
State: h=7 m=52
